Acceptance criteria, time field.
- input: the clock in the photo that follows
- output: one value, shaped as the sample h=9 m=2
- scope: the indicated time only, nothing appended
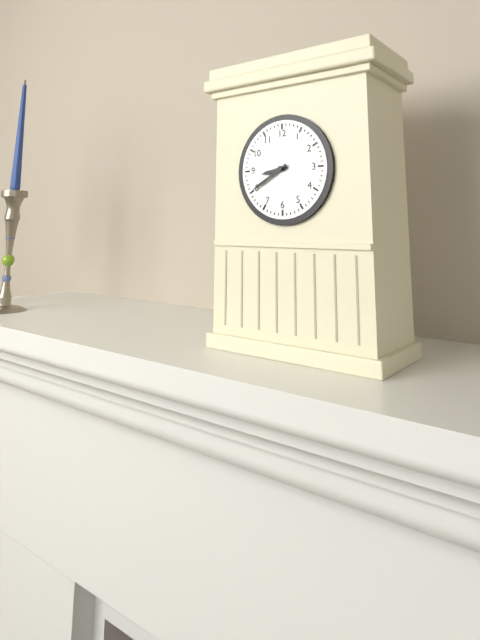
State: h=8 m=40
